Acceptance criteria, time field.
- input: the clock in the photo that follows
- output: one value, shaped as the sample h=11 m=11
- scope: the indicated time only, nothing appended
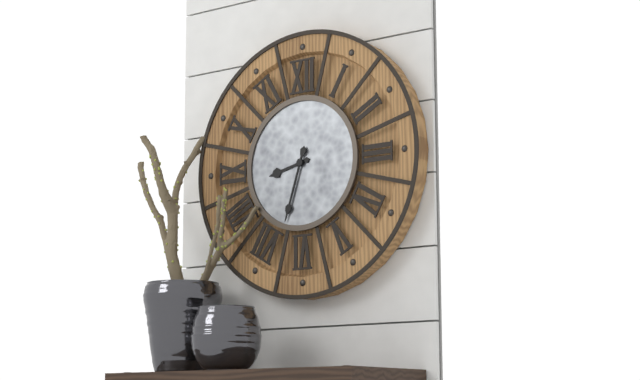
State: h=8 m=33
